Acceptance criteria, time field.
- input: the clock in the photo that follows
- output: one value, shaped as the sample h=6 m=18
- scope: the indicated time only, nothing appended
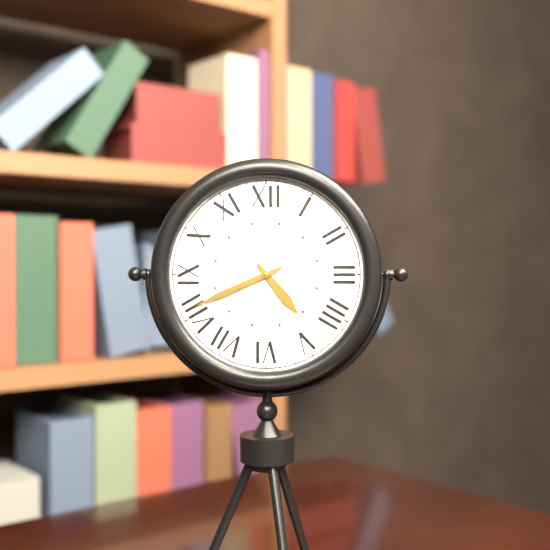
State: h=4 m=41
